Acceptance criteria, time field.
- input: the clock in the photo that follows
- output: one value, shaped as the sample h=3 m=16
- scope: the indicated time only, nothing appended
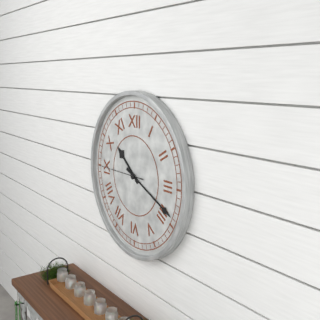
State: h=10 m=19
